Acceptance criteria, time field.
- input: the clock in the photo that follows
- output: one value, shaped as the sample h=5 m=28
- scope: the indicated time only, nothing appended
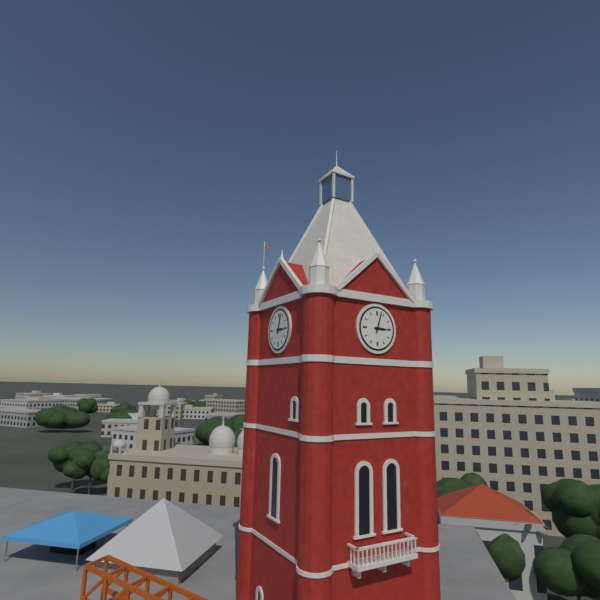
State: h=3 m=3
